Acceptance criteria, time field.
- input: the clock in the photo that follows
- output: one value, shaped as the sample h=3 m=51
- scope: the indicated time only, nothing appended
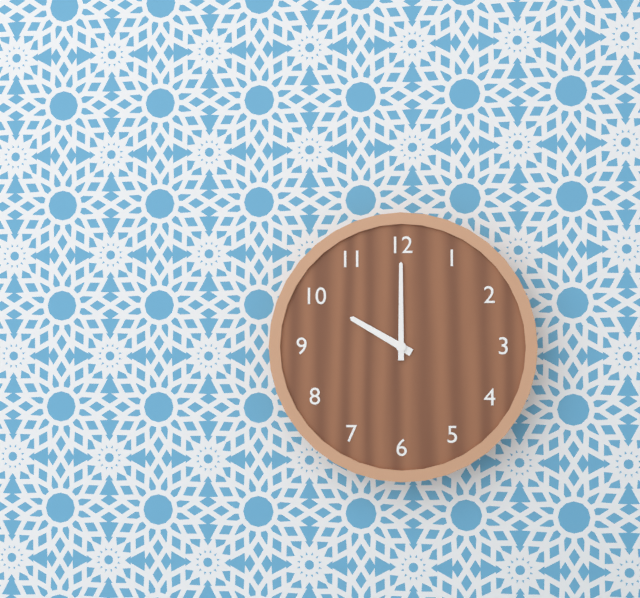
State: h=10 m=0
